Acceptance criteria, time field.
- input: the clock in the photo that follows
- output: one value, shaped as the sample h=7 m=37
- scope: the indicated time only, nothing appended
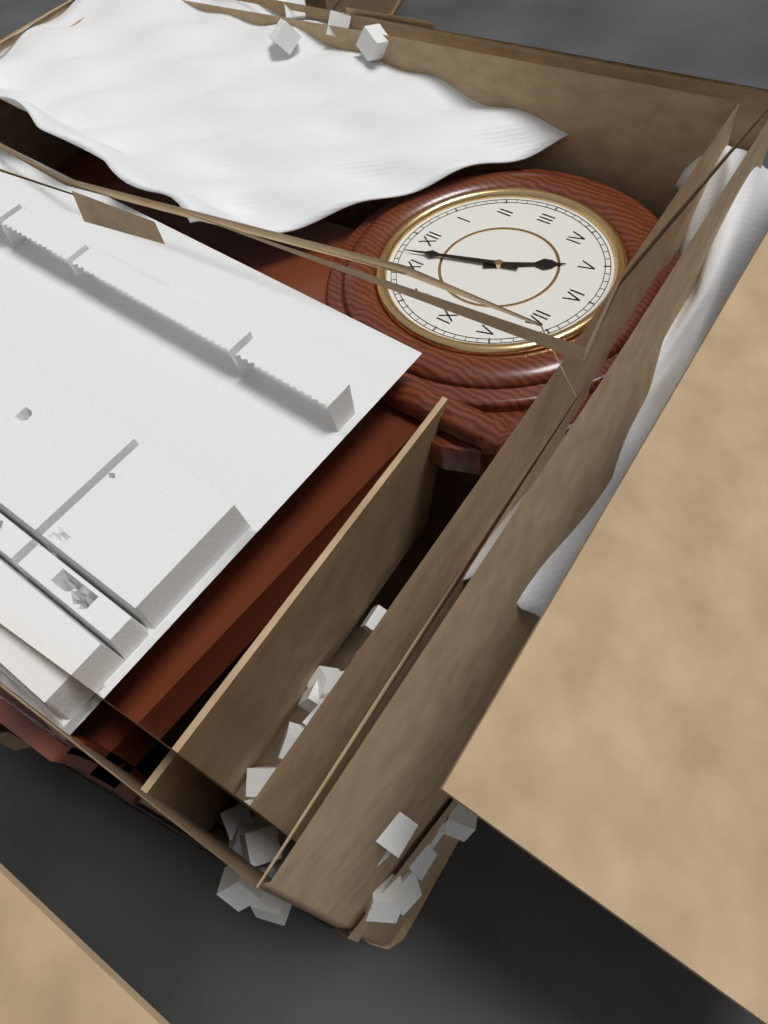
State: h=4 m=57
